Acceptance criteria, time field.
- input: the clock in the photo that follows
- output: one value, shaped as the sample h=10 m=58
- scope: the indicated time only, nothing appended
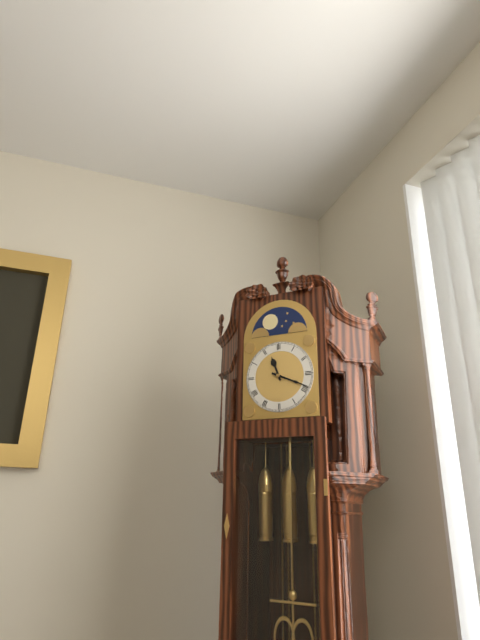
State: h=11 m=19
